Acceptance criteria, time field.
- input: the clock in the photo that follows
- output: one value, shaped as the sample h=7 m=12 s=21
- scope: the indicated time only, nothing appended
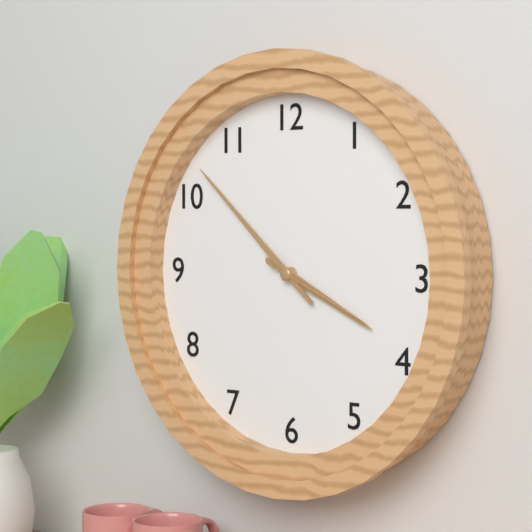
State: h=3 m=52 s=19
